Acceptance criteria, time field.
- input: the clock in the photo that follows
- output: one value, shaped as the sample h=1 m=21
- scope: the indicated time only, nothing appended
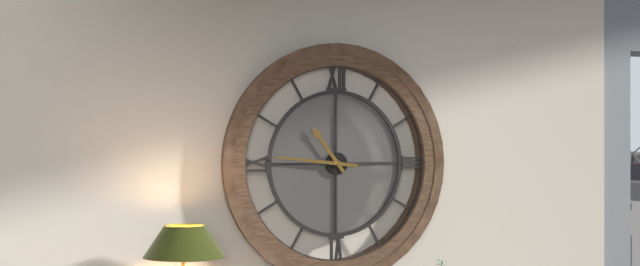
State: h=10 m=46
